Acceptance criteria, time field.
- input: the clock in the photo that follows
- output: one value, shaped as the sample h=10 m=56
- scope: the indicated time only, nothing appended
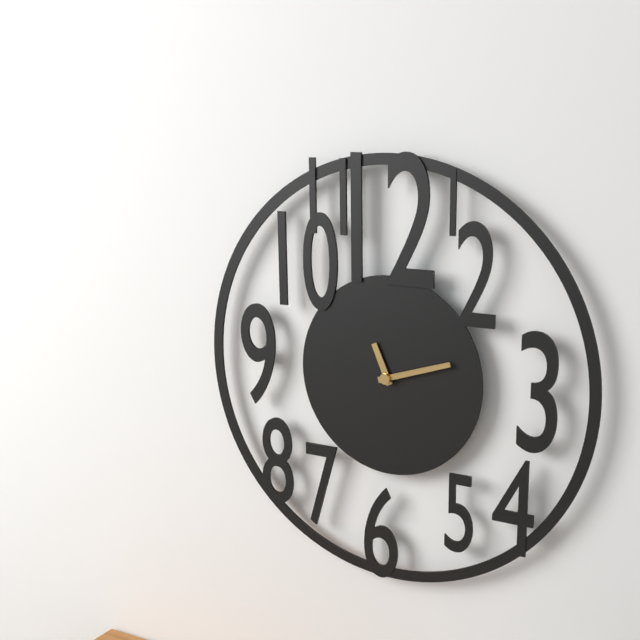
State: h=11 m=12
